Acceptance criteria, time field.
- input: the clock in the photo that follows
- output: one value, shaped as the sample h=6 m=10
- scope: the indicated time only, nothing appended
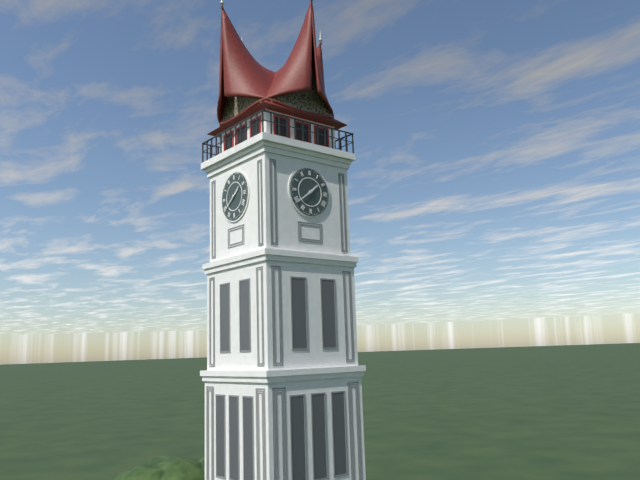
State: h=1 m=39
